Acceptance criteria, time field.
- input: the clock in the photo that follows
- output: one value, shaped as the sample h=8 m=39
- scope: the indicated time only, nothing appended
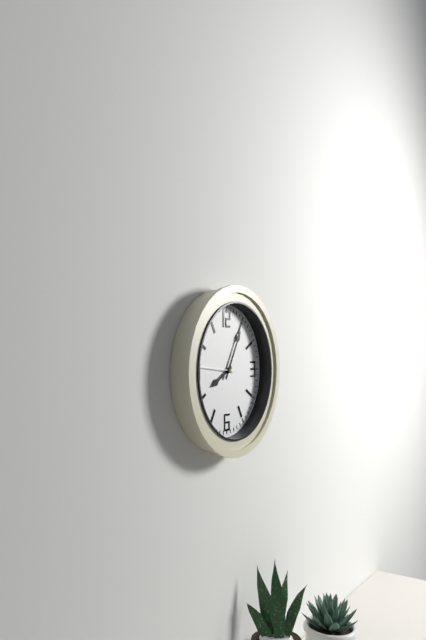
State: h=8 m=5
